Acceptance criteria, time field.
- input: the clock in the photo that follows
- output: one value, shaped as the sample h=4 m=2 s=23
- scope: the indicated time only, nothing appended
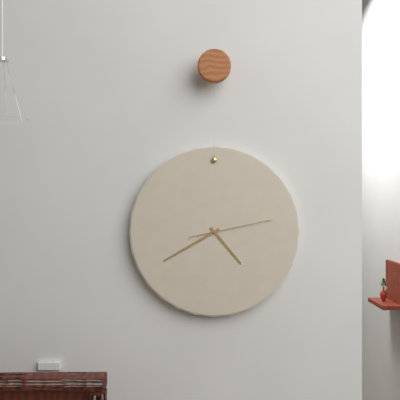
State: h=4 m=40 s=13
